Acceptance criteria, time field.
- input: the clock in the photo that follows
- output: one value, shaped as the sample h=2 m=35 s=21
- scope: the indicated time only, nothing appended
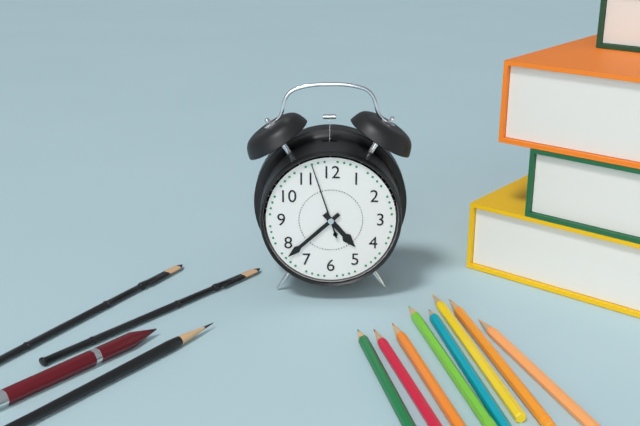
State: h=4 m=38 s=57
